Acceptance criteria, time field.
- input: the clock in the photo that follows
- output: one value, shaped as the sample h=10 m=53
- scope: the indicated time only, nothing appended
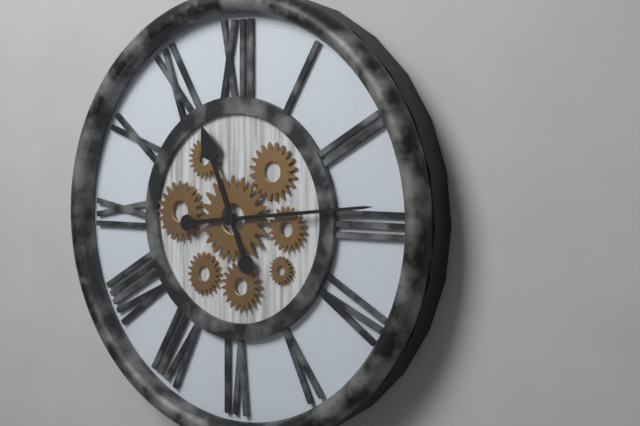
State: h=11 m=14
